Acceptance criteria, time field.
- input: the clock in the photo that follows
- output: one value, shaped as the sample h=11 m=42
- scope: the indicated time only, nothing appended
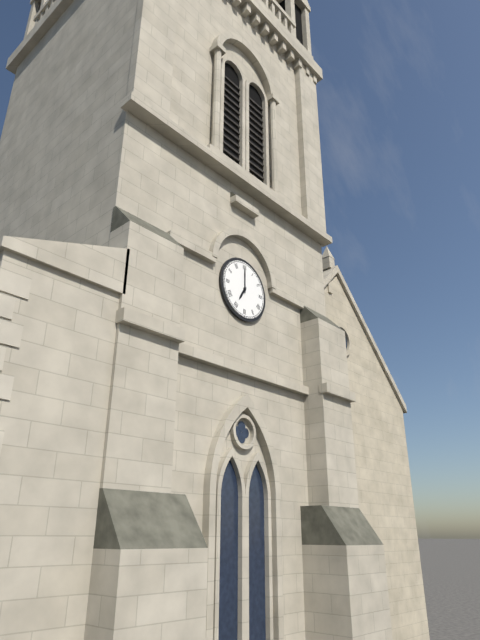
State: h=7 m=0
